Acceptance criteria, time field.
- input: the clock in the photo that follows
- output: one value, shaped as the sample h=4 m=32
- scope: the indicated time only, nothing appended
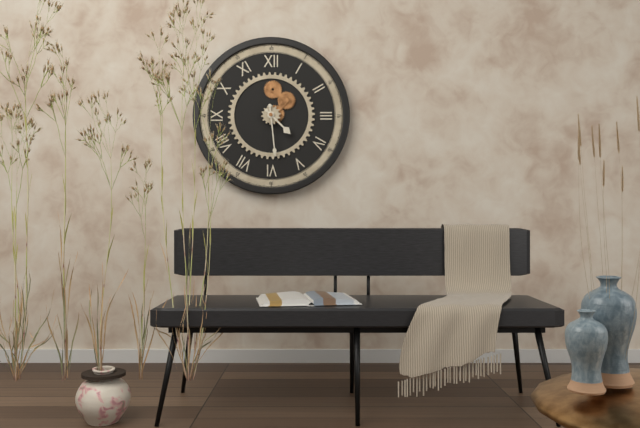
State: h=4 m=29
